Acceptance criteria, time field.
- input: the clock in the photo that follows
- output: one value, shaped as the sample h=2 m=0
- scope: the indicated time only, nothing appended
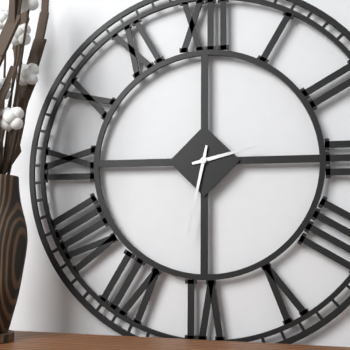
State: h=2 m=32
